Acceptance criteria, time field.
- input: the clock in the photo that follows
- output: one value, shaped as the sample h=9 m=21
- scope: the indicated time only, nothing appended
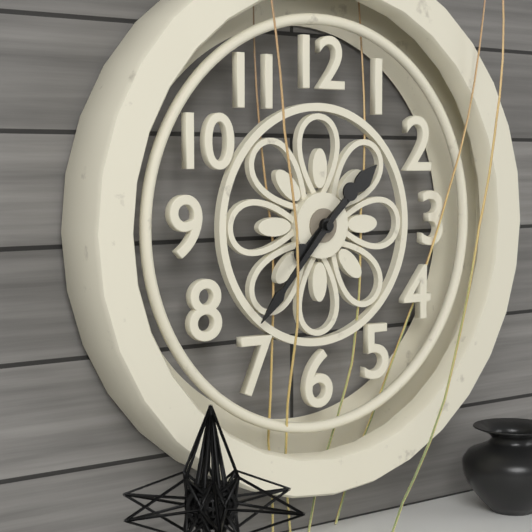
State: h=1 m=37
